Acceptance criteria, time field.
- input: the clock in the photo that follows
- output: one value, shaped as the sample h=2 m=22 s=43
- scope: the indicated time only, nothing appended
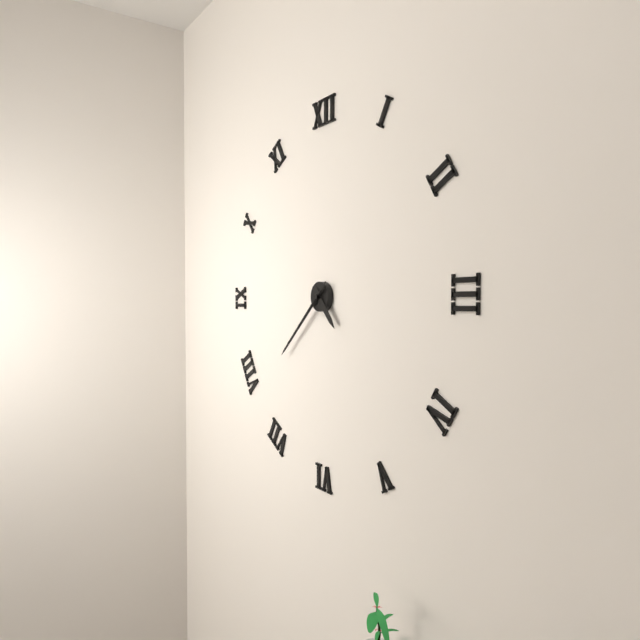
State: h=4 m=38 s=38
